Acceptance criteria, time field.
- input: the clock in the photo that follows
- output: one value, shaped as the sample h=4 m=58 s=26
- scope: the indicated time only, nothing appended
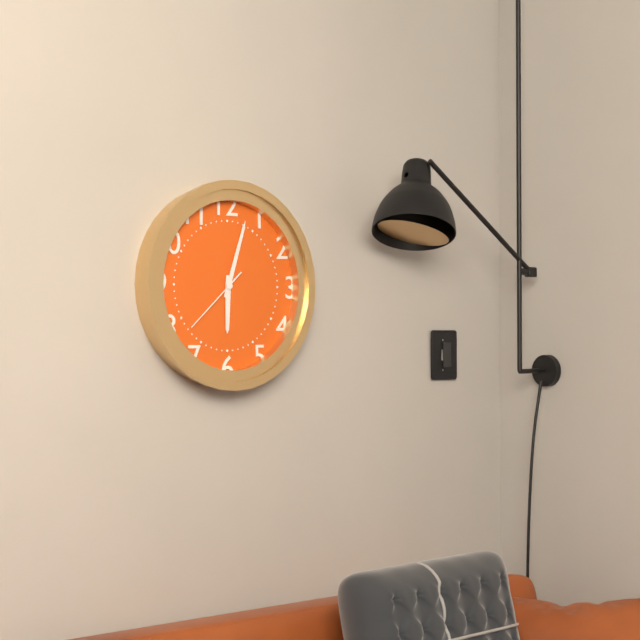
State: h=6 m=3 s=38
